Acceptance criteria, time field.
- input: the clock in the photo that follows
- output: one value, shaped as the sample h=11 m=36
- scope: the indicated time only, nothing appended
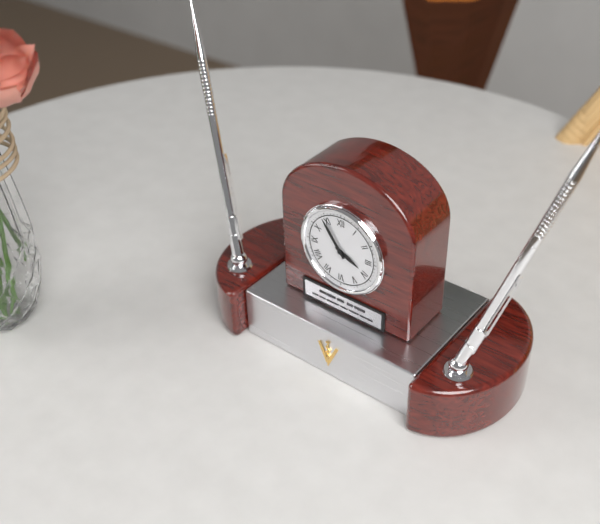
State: h=3 m=54
